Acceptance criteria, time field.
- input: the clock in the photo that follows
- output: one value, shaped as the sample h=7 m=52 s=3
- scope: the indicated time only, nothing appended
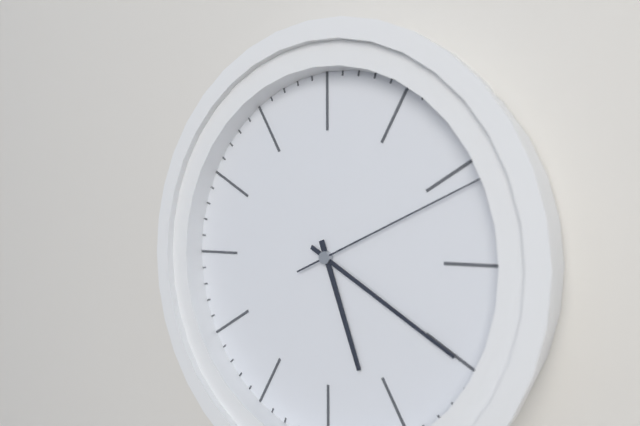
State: h=5 m=20 s=11
